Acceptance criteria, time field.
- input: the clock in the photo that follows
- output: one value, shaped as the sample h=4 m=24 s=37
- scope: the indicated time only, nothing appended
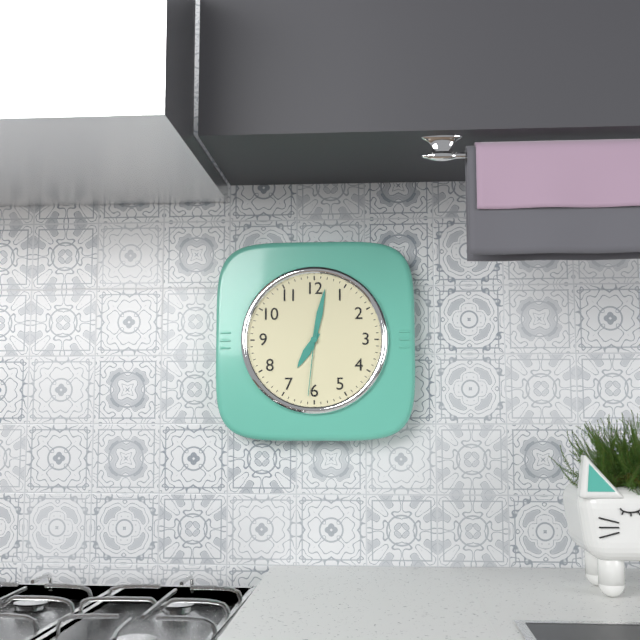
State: h=7 m=2 s=31
